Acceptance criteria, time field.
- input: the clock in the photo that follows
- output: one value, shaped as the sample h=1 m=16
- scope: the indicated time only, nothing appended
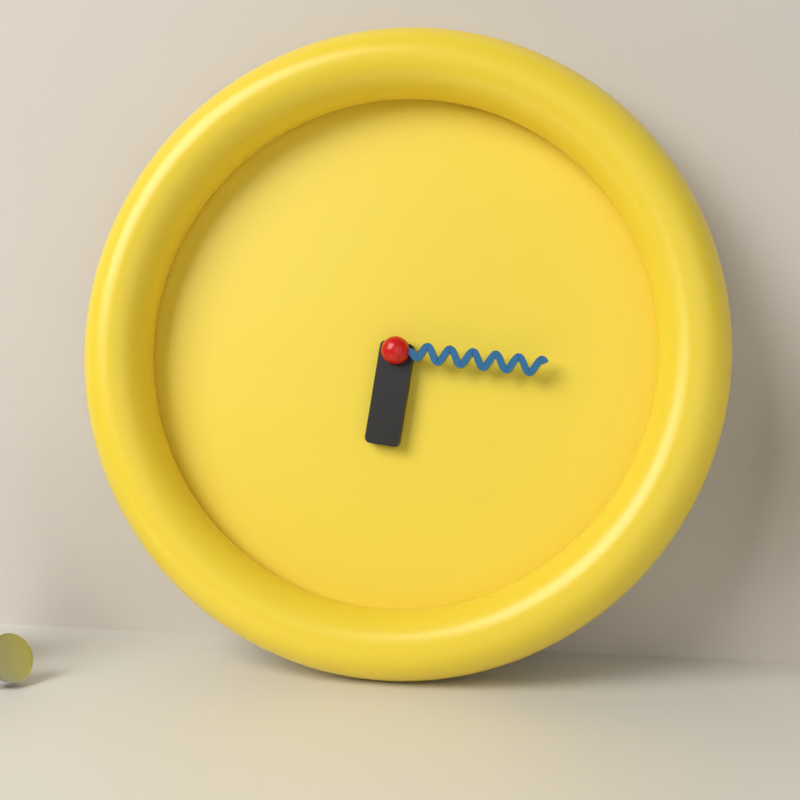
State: h=6 m=16
